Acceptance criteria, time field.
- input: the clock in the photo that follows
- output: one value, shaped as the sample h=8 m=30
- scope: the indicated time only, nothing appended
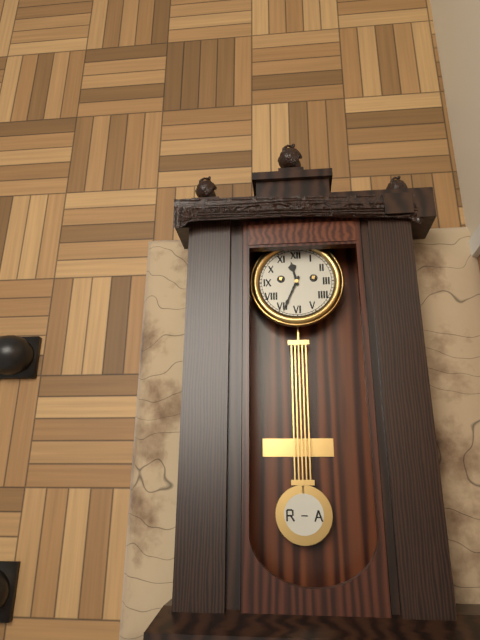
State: h=11 m=34
